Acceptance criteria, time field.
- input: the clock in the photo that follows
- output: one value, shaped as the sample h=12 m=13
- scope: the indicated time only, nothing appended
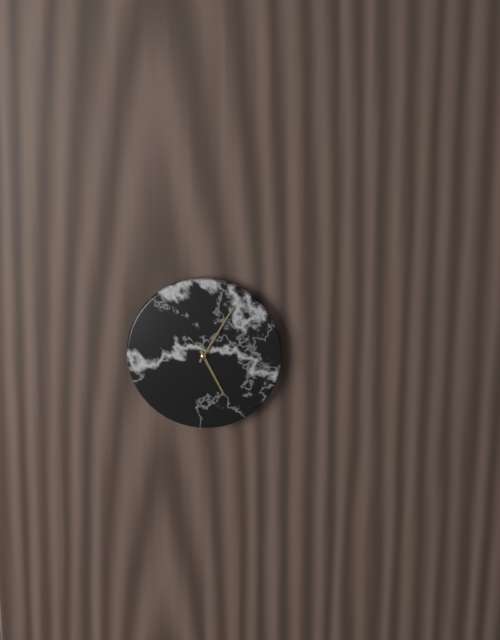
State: h=5 m=5
